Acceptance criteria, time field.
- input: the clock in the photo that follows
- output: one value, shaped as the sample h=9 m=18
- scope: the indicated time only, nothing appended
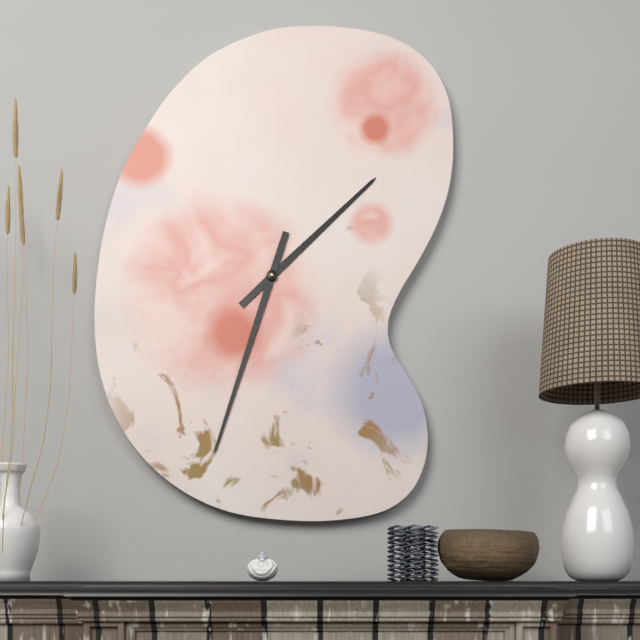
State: h=1 m=33
